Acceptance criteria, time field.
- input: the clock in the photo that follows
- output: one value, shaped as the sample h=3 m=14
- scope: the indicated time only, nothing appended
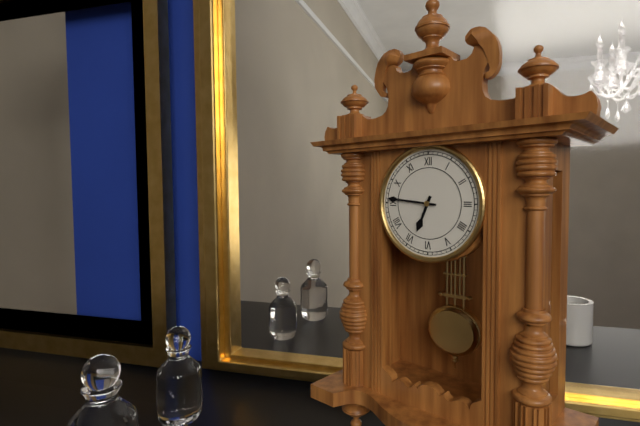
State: h=6 m=46
